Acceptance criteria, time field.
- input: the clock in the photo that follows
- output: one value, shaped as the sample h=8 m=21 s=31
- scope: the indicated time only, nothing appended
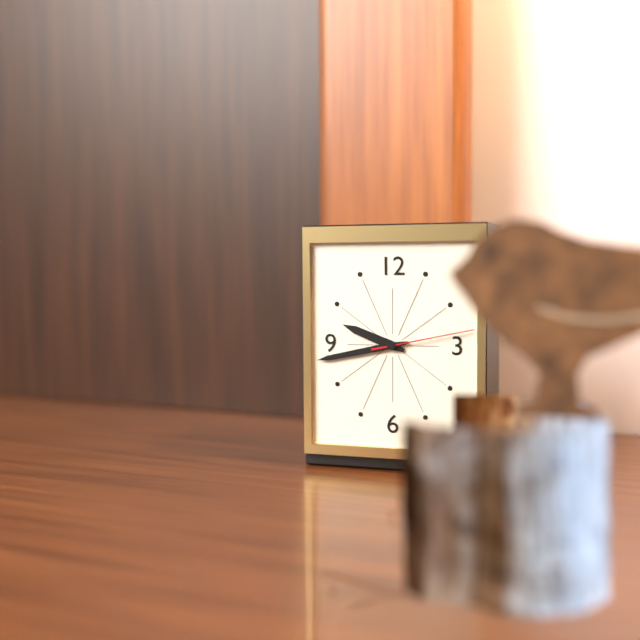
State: h=9 m=43 s=13
